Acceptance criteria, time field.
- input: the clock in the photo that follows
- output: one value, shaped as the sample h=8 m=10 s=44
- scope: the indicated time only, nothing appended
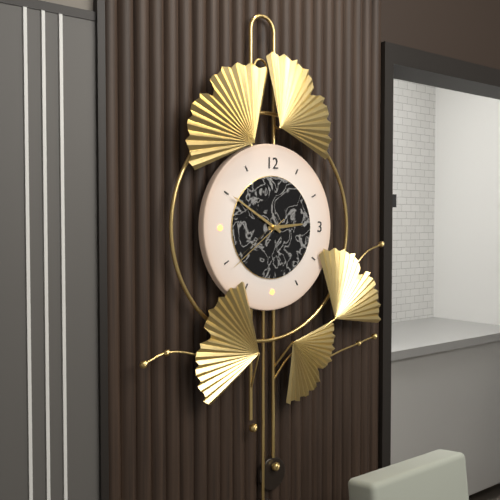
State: h=2 m=50 s=39
